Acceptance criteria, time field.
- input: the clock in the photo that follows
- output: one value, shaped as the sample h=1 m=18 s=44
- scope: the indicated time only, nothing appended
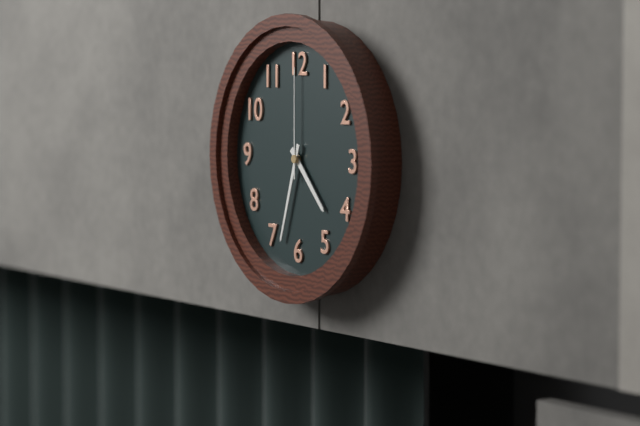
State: h=4 m=33 s=0
